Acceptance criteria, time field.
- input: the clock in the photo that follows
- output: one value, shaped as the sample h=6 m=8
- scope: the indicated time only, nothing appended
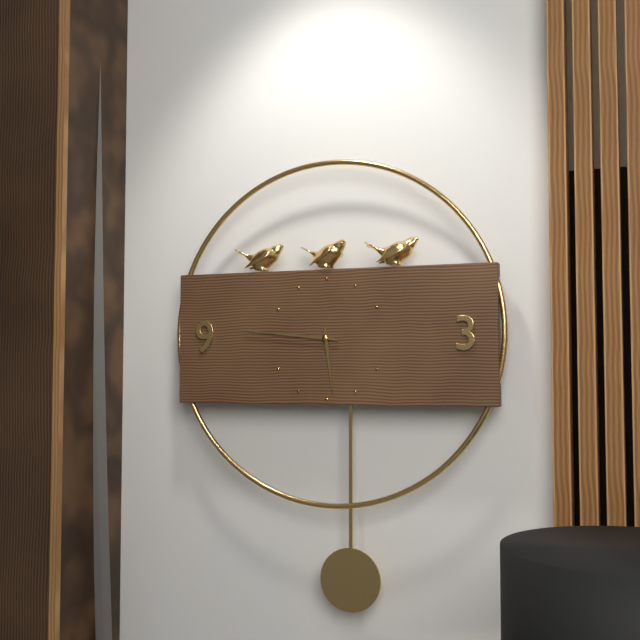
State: h=5 m=46
